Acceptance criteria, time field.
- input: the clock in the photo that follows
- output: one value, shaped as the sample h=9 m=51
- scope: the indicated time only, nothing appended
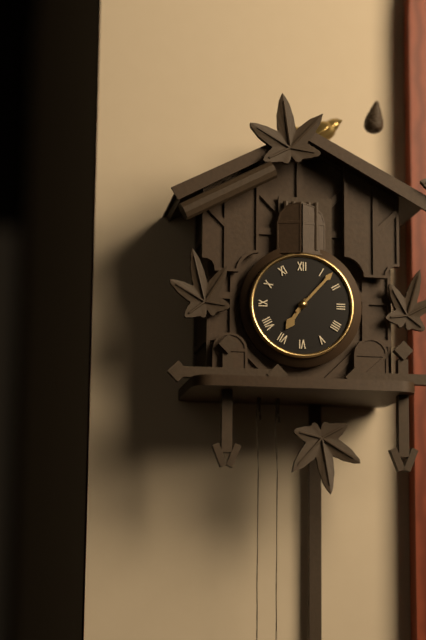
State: h=7 m=7
